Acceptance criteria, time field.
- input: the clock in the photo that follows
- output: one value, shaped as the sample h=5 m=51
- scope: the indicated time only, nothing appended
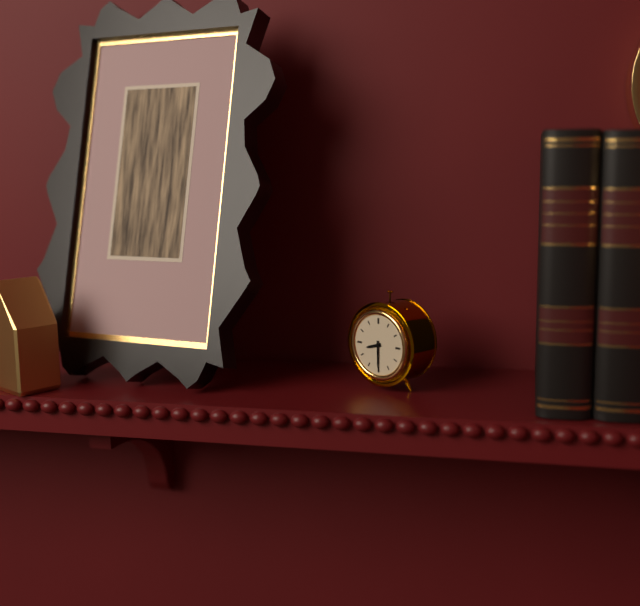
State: h=8 m=30
